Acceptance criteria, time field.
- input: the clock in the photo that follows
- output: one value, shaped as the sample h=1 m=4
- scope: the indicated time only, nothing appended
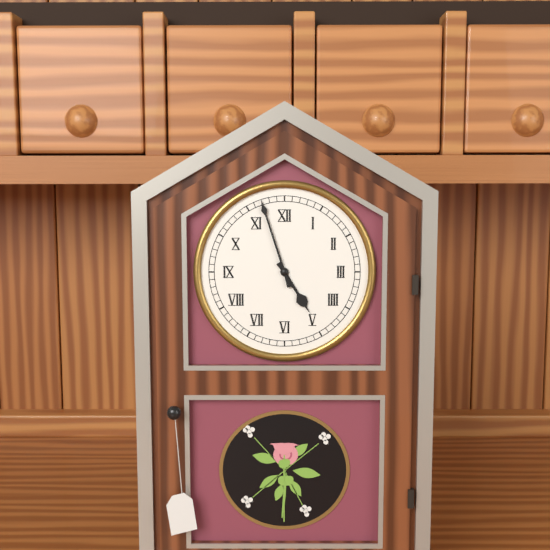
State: h=4 m=57
